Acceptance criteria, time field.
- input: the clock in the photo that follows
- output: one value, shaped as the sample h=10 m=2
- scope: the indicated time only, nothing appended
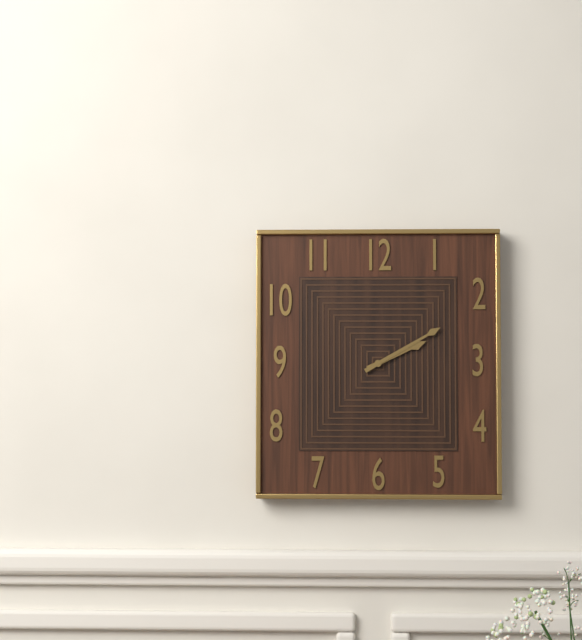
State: h=2 m=10
